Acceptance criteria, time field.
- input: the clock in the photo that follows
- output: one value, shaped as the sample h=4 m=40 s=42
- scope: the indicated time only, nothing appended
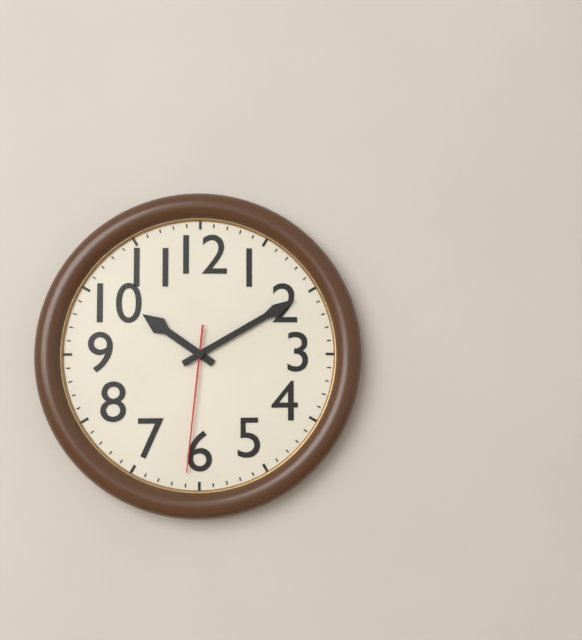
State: h=10 m=10 s=31
